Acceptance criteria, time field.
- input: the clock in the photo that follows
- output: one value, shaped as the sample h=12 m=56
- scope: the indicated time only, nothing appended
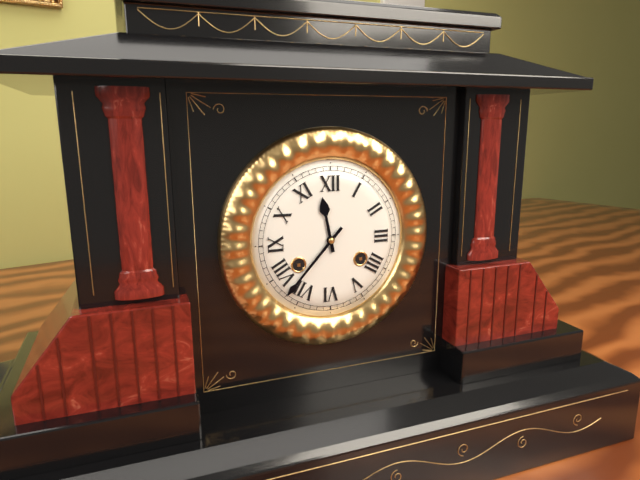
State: h=11 m=37
